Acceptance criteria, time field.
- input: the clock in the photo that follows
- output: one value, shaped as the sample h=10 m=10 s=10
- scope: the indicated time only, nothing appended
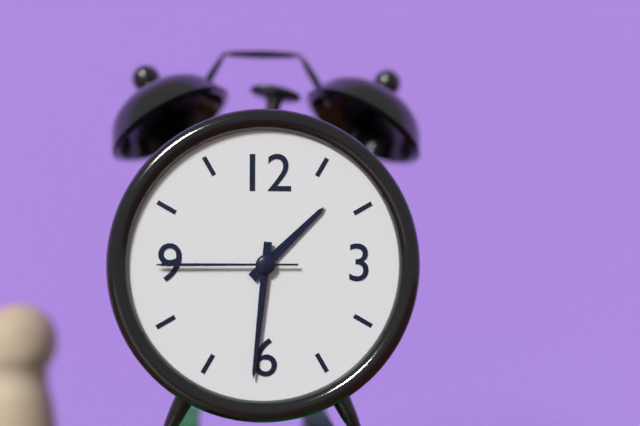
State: h=1 m=31 s=45
